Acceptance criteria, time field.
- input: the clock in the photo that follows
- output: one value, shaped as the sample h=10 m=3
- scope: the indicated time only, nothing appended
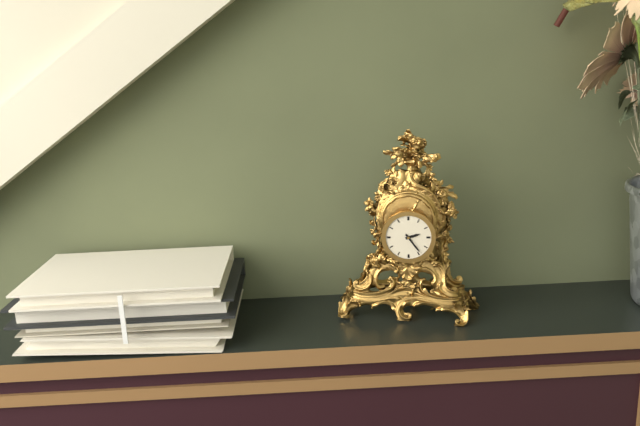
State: h=2 m=24
